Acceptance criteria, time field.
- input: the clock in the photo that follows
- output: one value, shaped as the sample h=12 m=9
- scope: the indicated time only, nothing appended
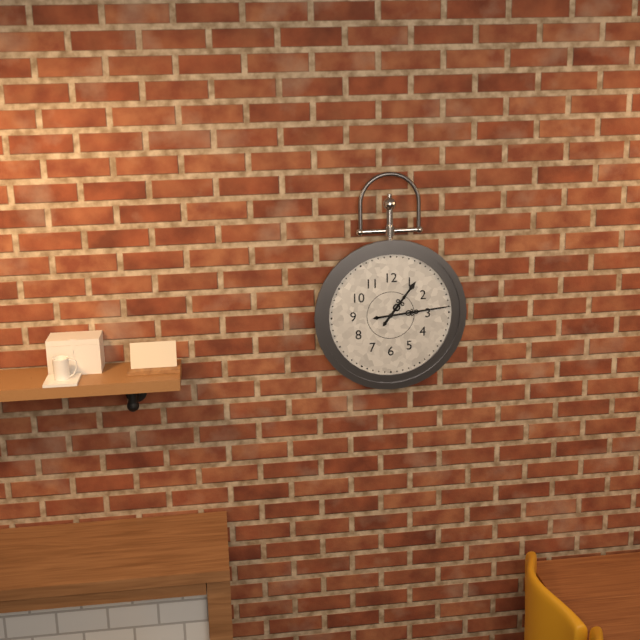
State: h=1 m=14
